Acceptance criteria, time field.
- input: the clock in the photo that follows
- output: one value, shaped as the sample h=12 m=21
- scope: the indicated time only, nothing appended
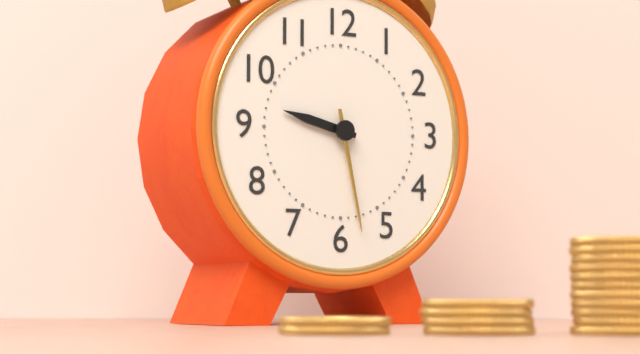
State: h=9 m=28
